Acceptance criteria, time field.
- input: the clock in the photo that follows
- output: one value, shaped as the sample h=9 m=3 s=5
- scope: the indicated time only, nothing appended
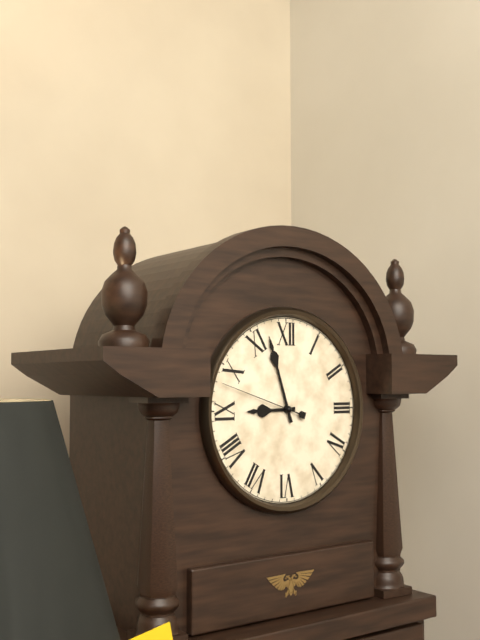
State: h=8 m=57 s=48
